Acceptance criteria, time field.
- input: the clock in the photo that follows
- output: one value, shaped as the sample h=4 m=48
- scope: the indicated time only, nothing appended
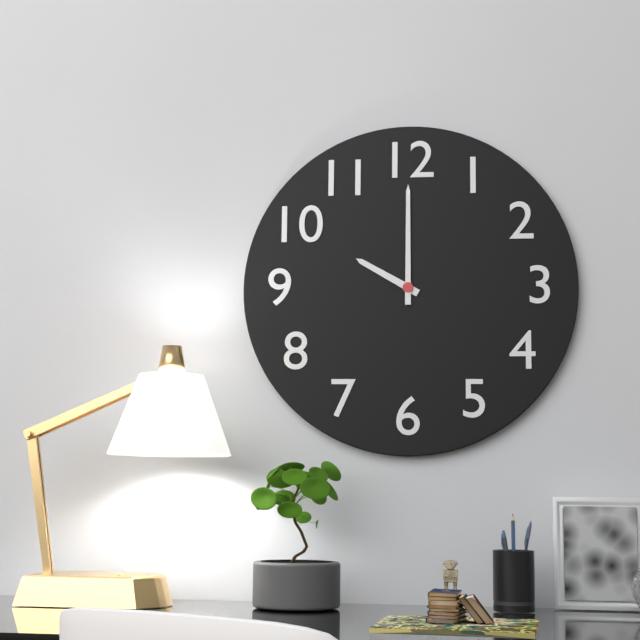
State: h=10 m=0
